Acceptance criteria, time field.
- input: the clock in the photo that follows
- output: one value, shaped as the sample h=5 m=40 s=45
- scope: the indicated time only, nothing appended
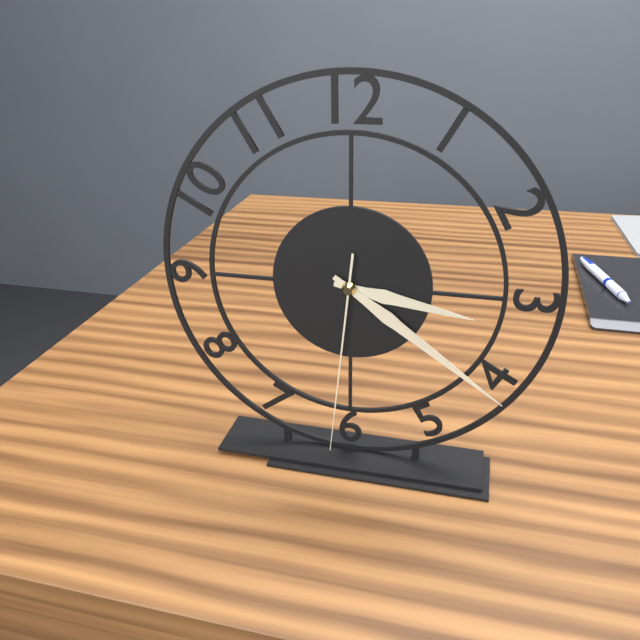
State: h=3 m=21 s=31
